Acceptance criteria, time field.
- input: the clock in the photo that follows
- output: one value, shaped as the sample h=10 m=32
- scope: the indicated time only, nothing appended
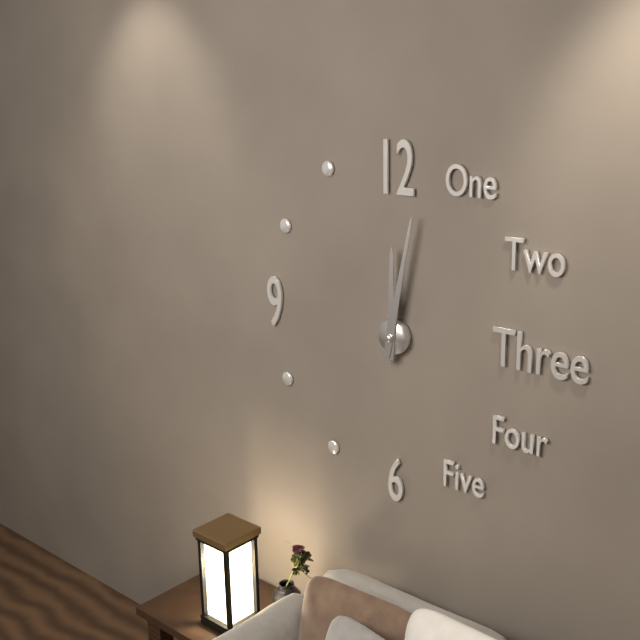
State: h=12 m=2
